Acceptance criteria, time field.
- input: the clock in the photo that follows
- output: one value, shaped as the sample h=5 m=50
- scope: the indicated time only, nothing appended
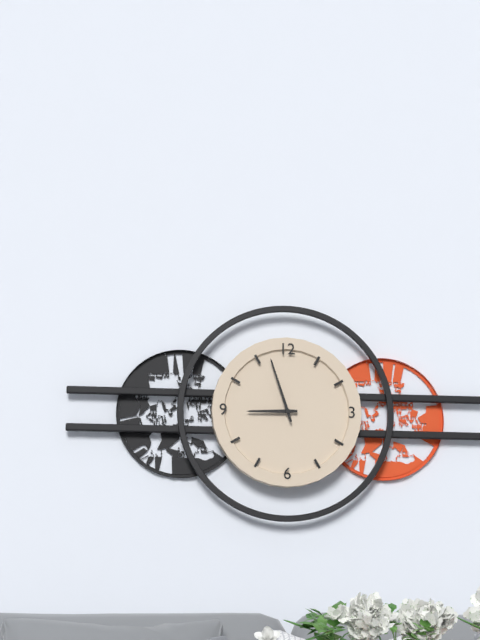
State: h=8 m=57
